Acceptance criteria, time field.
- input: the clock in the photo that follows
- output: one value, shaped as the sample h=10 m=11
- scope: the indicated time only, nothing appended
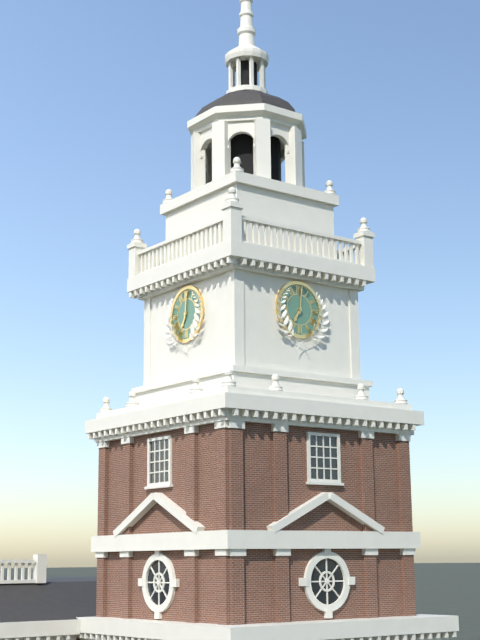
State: h=7 m=1
